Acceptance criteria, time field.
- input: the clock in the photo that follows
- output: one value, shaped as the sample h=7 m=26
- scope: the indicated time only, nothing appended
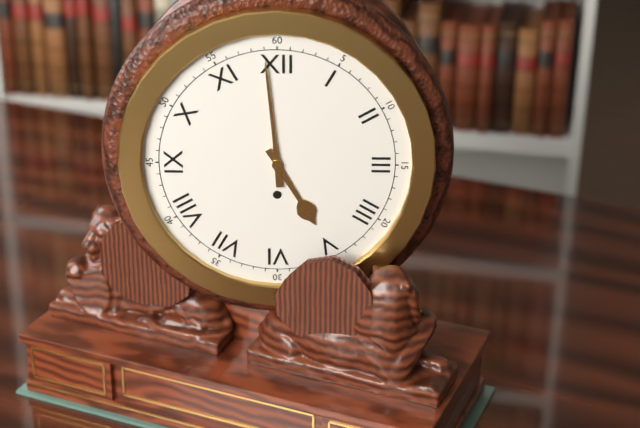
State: h=4 m=59
